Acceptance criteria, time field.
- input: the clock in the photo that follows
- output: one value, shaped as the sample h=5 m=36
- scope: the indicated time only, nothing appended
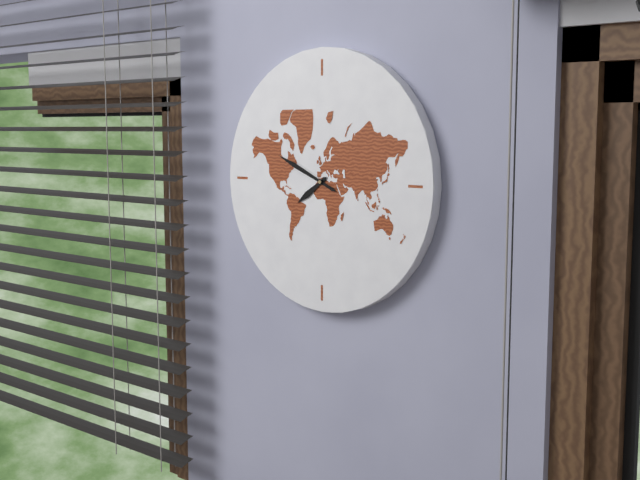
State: h=7 m=49
